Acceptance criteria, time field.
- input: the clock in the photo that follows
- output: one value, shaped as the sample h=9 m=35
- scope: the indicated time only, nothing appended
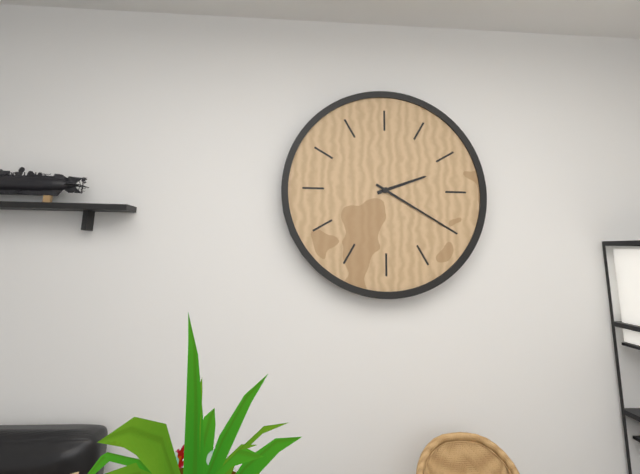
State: h=2 m=20
